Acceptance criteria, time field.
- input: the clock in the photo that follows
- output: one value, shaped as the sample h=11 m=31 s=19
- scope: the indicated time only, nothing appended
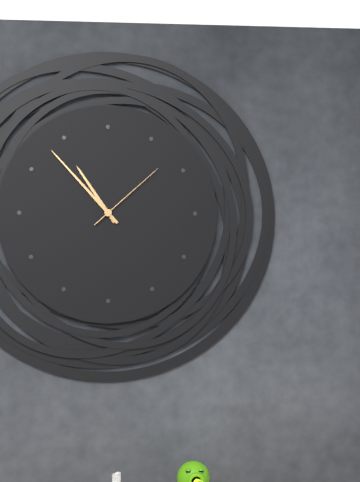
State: h=10 m=53 s=8
